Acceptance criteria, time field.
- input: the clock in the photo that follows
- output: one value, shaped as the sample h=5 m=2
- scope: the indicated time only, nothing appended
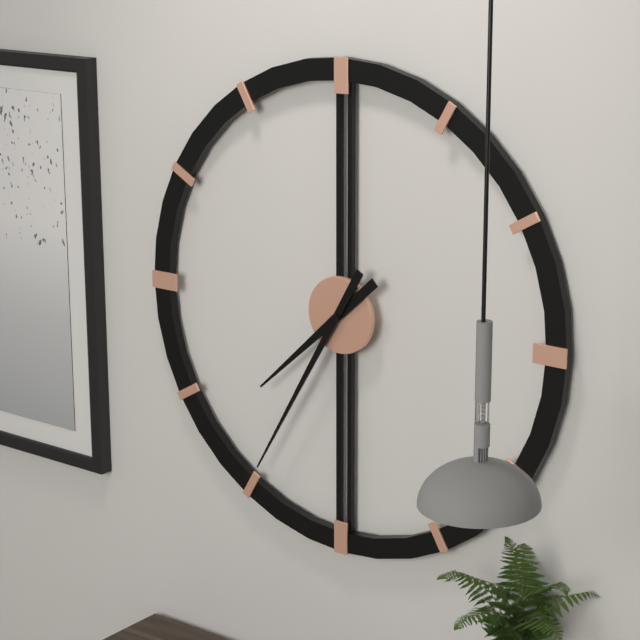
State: h=7 m=35
